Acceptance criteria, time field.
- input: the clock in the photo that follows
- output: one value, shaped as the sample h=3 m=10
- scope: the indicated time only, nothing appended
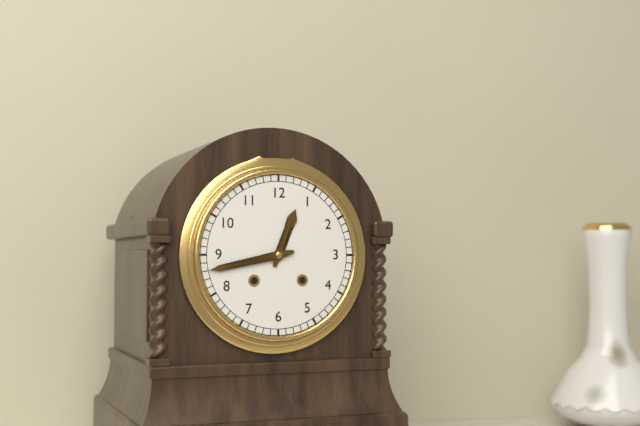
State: h=12 m=43
